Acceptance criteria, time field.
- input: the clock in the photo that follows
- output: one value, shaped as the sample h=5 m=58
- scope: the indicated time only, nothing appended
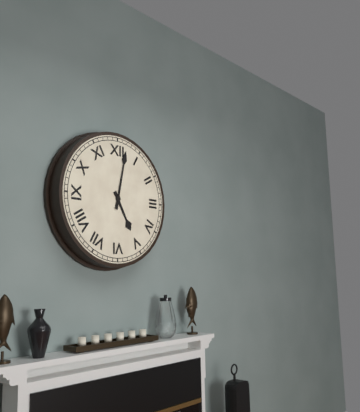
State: h=5 m=2
